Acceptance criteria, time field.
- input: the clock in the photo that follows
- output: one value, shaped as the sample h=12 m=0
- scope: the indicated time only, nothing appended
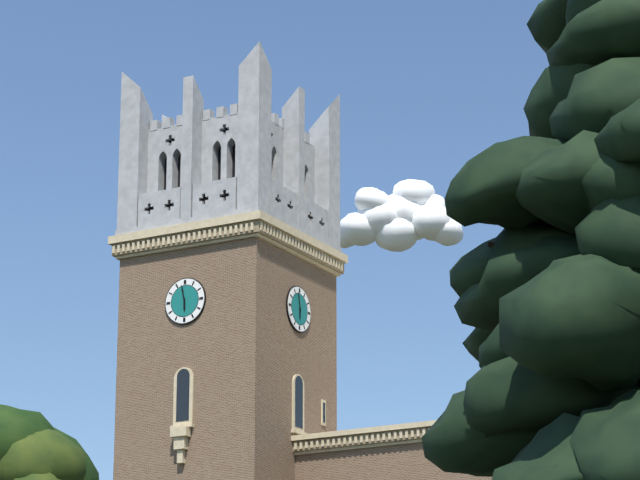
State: h=5 m=58
